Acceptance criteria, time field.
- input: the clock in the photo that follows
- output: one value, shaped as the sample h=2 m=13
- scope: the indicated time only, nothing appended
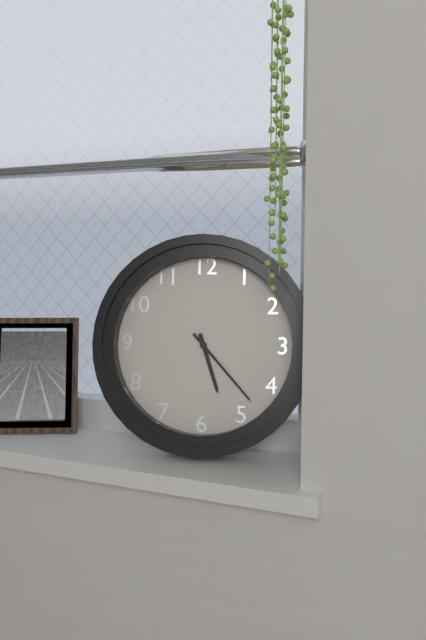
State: h=5 m=23
